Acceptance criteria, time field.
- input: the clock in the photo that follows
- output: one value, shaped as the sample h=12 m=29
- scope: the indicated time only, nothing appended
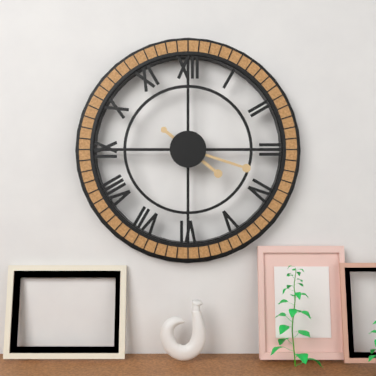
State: h=4 m=18
